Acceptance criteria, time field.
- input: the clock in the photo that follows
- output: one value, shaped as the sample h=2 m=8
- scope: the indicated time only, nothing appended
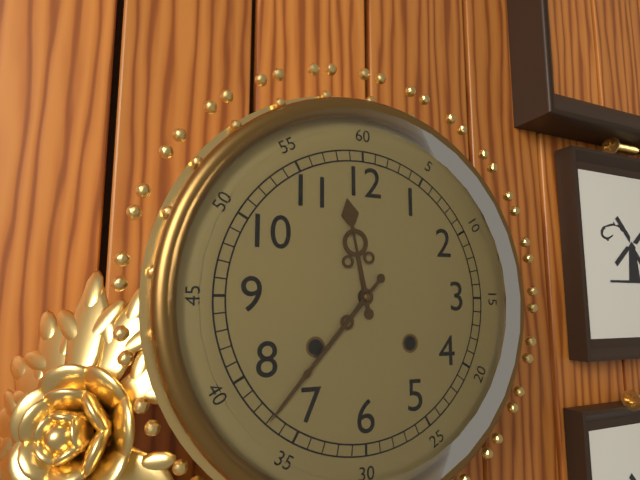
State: h=11 m=37
